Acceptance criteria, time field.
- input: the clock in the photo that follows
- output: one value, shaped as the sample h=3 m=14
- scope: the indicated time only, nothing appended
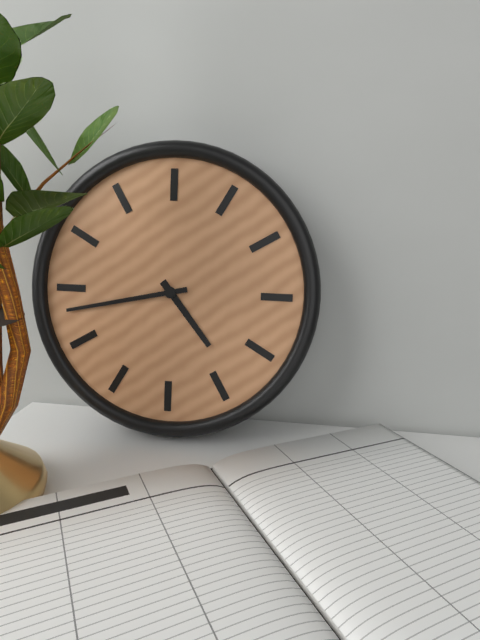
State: h=4 m=43
